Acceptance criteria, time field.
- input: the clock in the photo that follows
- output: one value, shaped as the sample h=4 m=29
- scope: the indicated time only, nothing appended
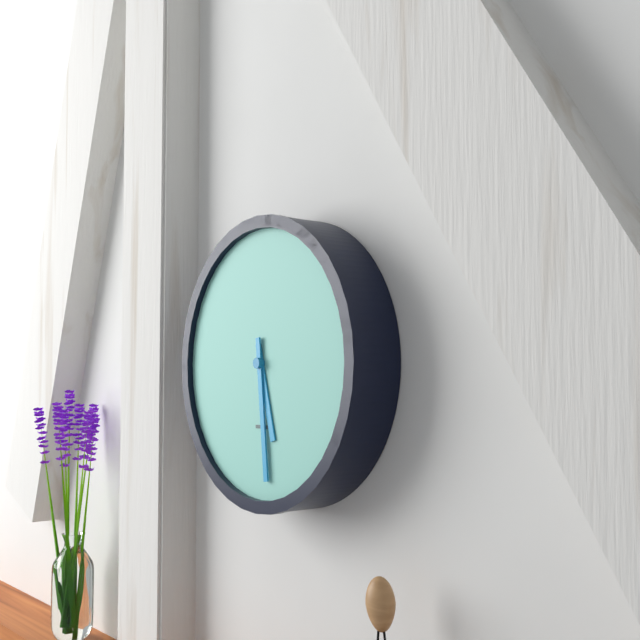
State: h=5 m=29
